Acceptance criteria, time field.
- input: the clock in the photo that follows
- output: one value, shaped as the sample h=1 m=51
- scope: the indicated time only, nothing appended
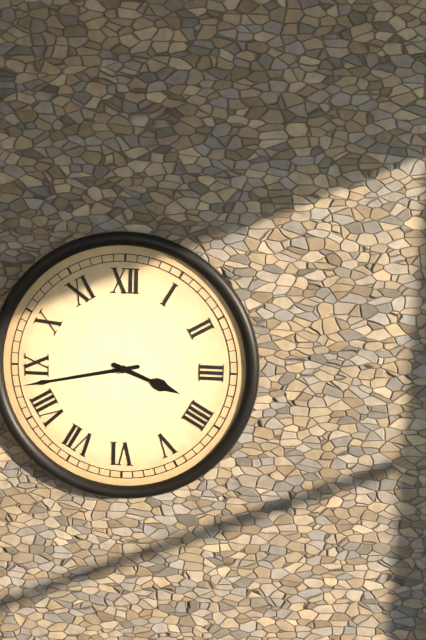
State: h=3 m=43
